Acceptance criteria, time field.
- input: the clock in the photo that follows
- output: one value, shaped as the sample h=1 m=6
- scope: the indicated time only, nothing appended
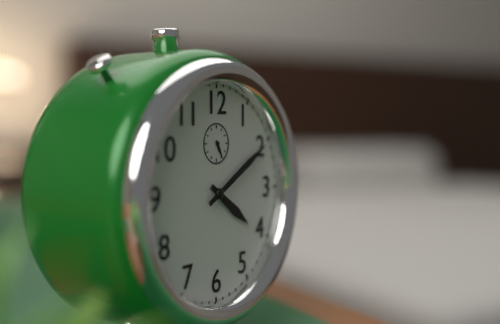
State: h=4 m=10
